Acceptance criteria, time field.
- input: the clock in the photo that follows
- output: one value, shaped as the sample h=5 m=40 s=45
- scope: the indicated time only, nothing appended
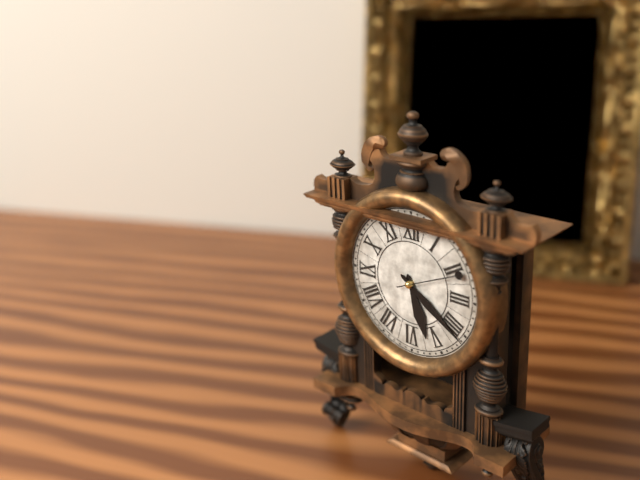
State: h=5 m=21 s=11
